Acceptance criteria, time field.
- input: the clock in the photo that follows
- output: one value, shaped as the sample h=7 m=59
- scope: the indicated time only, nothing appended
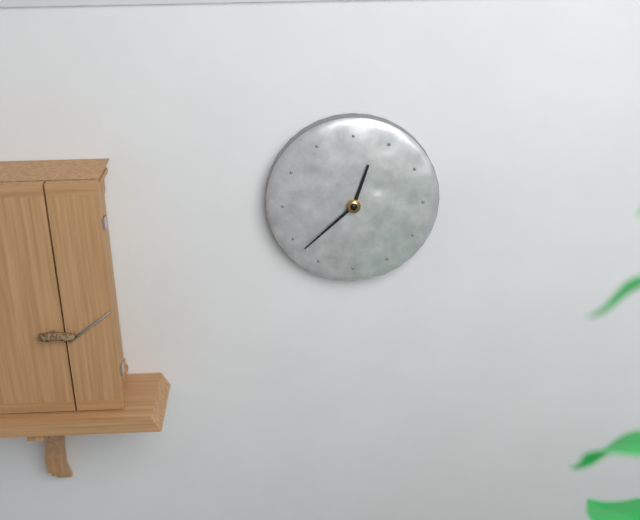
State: h=12 m=38
